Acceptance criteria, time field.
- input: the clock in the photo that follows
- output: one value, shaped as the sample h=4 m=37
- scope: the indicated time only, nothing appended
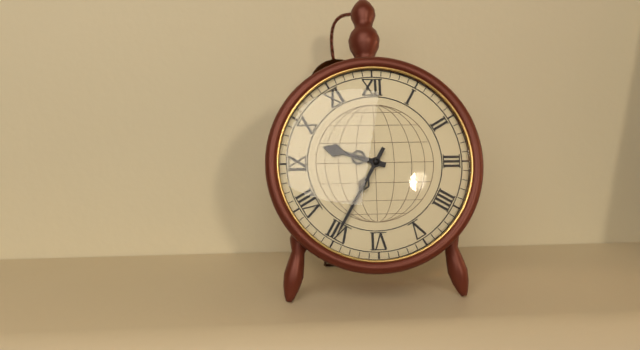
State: h=9 m=35
